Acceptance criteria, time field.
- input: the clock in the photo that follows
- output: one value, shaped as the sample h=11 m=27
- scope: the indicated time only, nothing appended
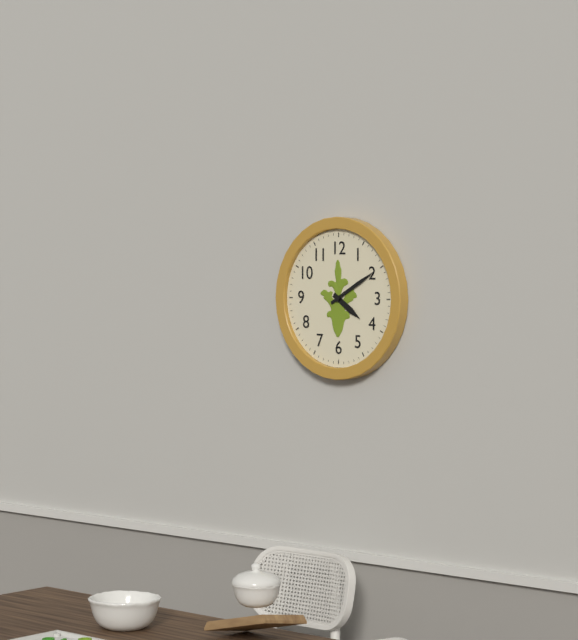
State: h=4 m=10
